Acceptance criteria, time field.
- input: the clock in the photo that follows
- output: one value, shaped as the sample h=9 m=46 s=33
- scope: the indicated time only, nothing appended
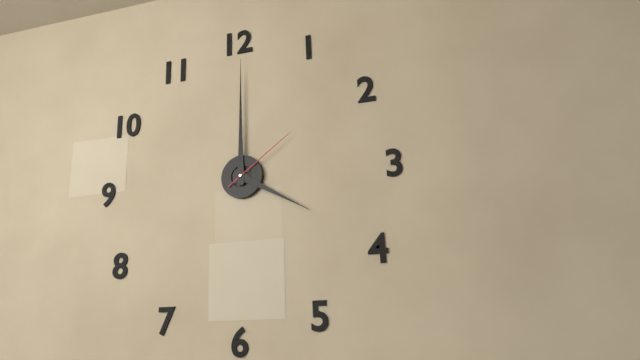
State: h=4 m=0 s=9
